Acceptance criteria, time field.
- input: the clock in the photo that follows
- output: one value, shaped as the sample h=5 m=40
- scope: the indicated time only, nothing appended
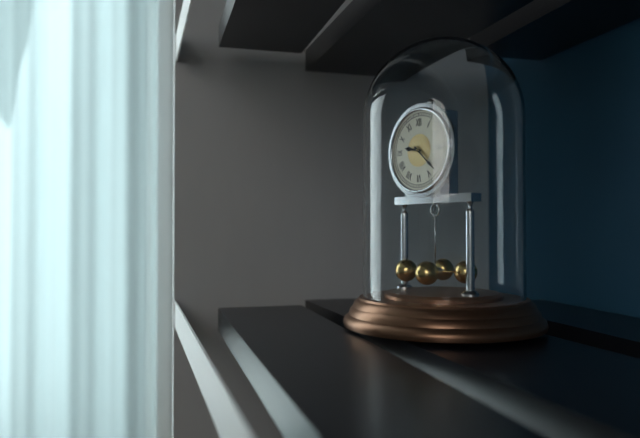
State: h=9 m=22
